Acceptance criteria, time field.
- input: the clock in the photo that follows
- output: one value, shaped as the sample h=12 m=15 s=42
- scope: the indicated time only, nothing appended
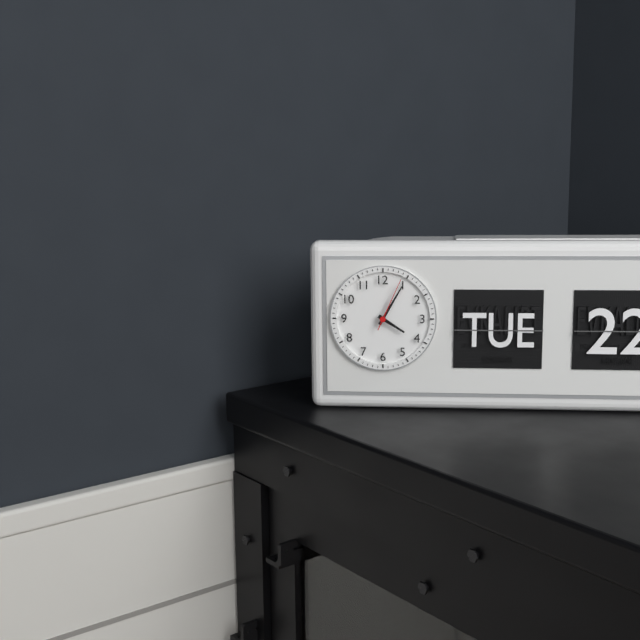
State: h=4 m=5 s=4
